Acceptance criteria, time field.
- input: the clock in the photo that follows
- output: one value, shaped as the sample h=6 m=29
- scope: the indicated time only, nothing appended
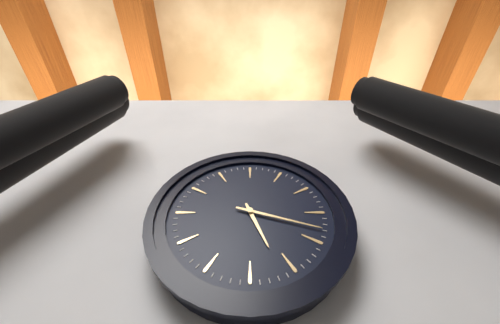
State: h=5 m=18
